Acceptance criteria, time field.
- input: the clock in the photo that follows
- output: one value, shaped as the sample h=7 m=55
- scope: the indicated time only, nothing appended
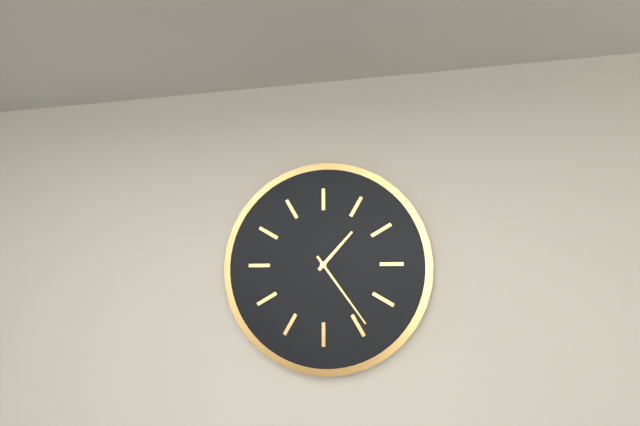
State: h=1 m=24
